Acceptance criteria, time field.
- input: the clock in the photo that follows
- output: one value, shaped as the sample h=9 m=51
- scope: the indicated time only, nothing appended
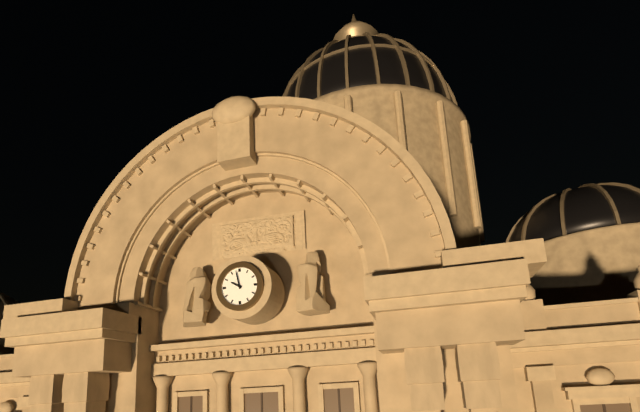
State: h=9 m=58
